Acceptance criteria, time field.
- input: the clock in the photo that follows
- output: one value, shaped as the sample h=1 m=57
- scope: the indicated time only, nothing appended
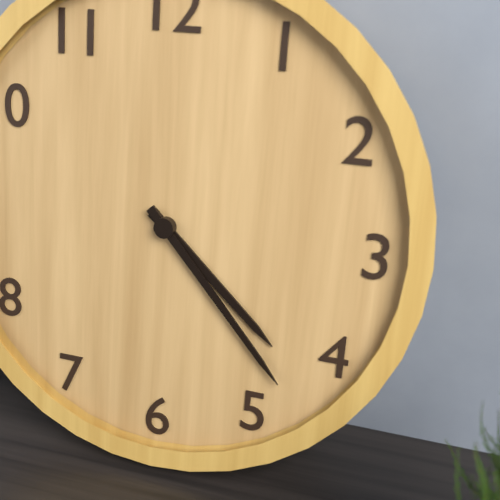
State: h=4 m=23
